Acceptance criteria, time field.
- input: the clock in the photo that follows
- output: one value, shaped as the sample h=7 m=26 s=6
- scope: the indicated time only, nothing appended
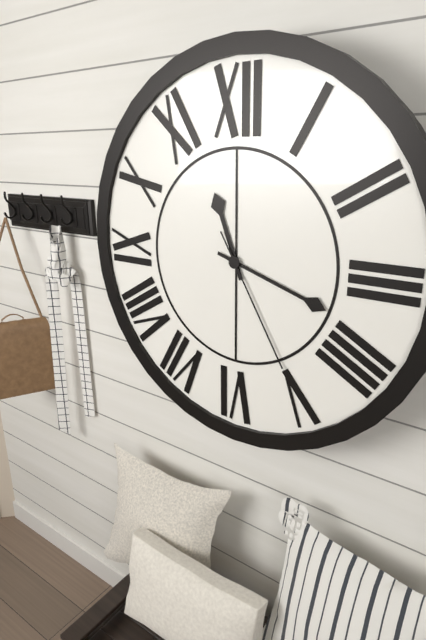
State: h=11 m=18 s=25
